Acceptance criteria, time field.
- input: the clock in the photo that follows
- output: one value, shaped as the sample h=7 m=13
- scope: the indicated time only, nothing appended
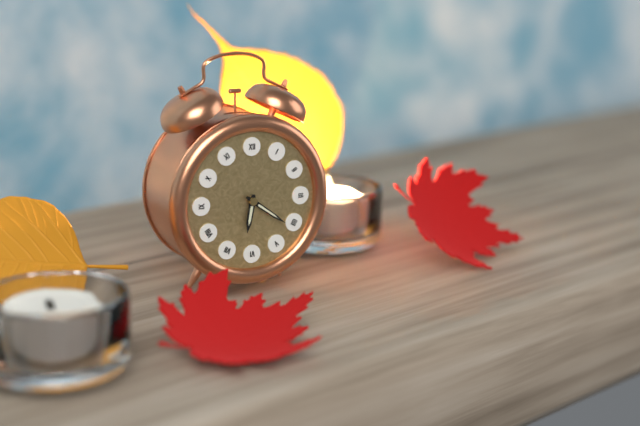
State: h=6 m=21
